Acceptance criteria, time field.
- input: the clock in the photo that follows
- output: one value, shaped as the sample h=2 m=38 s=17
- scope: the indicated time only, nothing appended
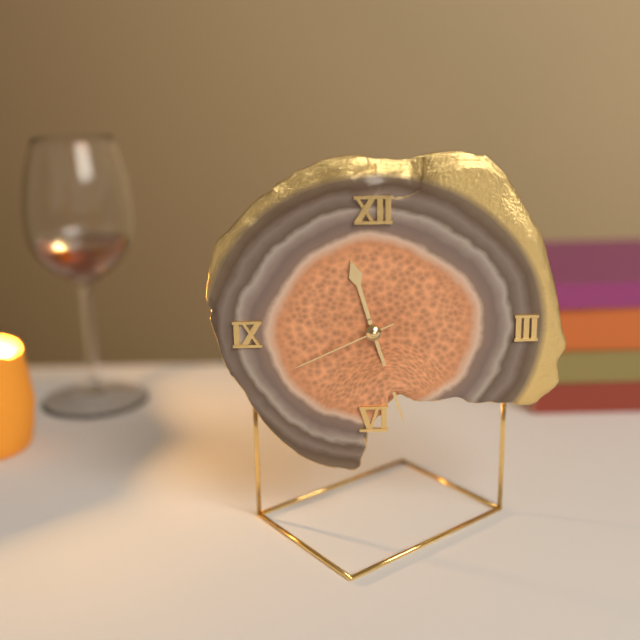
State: h=11 m=27 s=41
